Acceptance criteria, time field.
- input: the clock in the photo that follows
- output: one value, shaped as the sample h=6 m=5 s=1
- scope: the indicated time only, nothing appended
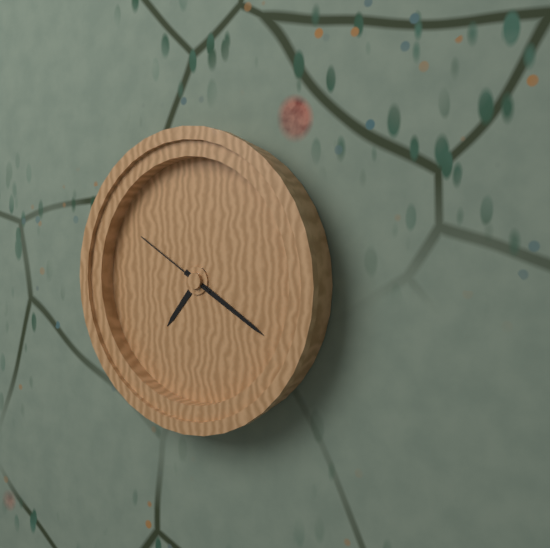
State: h=7 m=20 s=50
